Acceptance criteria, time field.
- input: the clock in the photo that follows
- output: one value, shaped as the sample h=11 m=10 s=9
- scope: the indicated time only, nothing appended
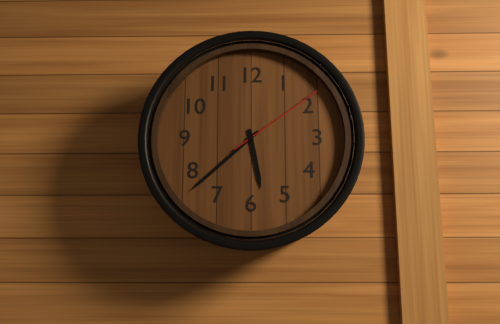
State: h=5 m=38 s=9
